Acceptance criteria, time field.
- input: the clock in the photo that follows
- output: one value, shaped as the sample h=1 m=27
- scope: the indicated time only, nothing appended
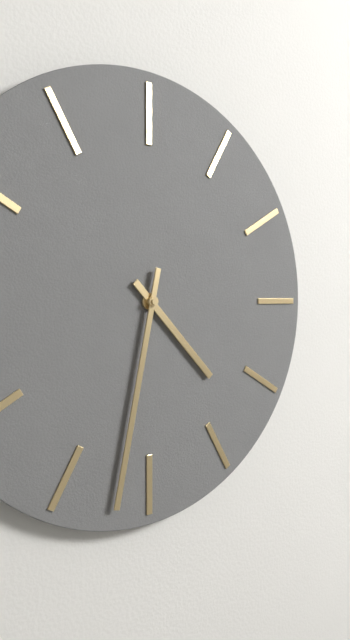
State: h=4 m=32
